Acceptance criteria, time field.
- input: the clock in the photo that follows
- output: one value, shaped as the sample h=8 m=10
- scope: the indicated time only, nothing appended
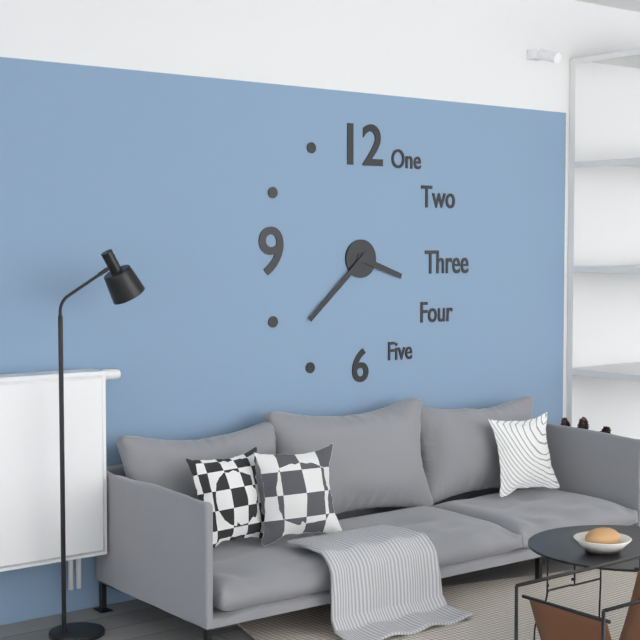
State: h=3 m=38
